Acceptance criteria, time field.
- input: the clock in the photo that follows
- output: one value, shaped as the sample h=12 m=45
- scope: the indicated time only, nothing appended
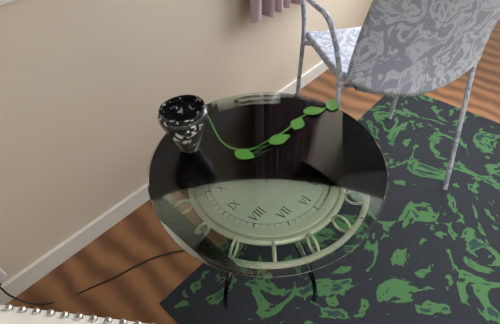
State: h=1 m=18
